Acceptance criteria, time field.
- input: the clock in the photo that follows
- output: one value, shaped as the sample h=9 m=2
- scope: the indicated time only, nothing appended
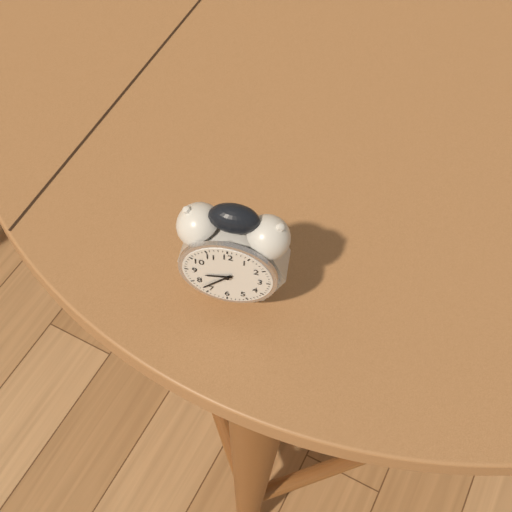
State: h=8 m=37
